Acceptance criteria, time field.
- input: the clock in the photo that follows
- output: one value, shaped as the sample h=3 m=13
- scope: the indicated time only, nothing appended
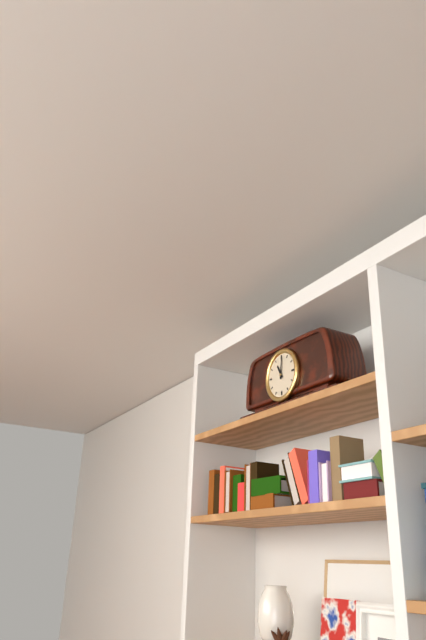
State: h=11 m=1
